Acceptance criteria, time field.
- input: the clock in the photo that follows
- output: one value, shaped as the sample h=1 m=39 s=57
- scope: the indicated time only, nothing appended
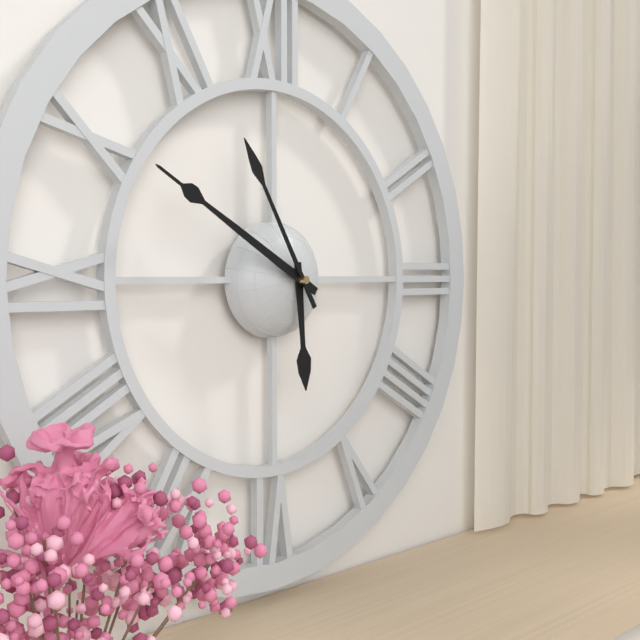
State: h=5 m=50 s=55
